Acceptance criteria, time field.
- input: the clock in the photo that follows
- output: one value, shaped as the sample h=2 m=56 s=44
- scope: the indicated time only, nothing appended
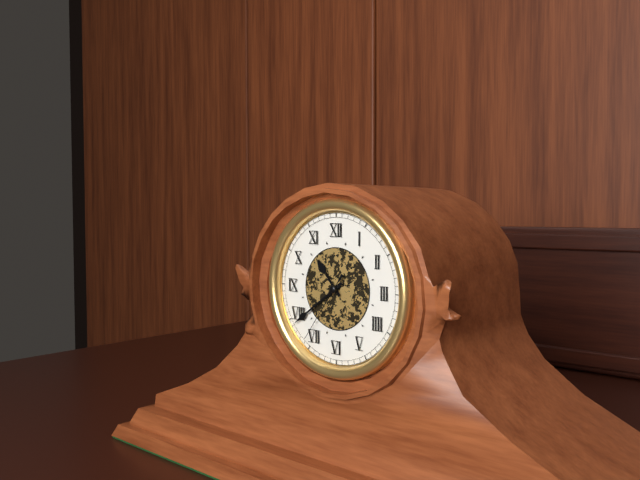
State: h=10 m=39 s=36
